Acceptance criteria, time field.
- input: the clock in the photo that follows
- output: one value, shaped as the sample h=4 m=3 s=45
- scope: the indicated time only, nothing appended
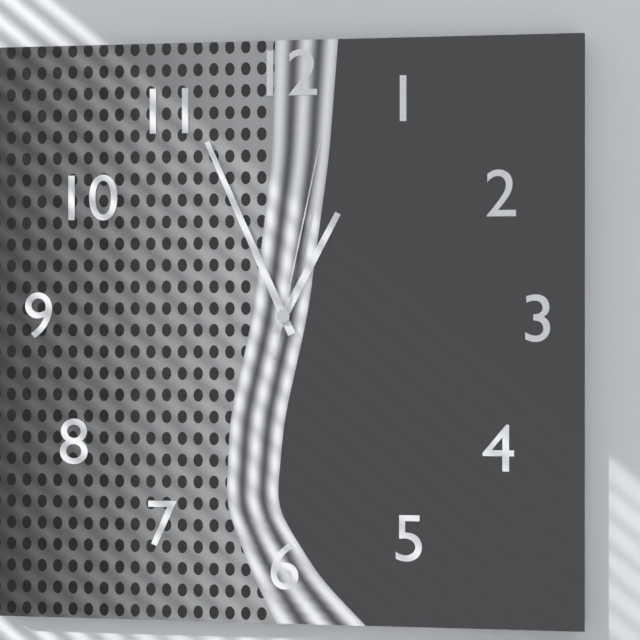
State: h=12 m=56 s=2
